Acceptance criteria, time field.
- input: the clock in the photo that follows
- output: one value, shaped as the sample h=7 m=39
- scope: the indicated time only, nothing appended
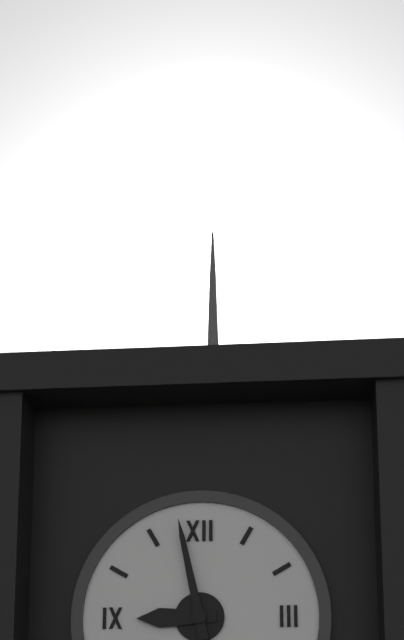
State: h=8 m=58
